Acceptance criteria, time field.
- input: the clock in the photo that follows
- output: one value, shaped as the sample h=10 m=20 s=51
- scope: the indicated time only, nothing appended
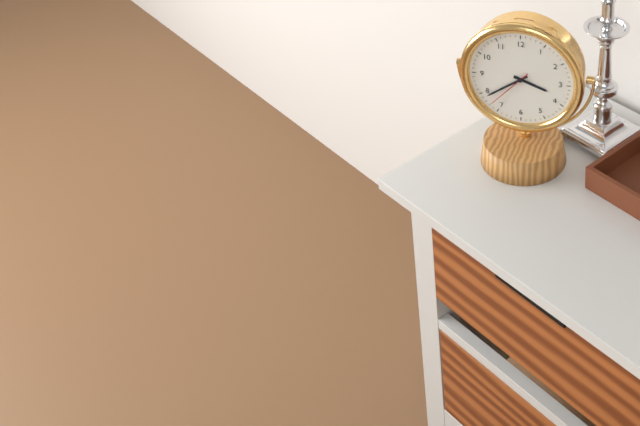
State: h=3 m=39 s=37
